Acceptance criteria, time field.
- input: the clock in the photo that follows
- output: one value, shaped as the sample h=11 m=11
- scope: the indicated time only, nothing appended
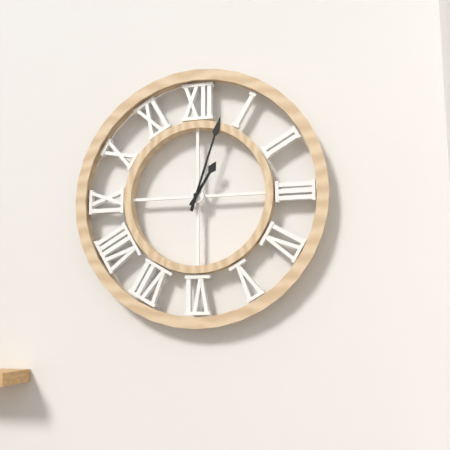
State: h=1 m=3
